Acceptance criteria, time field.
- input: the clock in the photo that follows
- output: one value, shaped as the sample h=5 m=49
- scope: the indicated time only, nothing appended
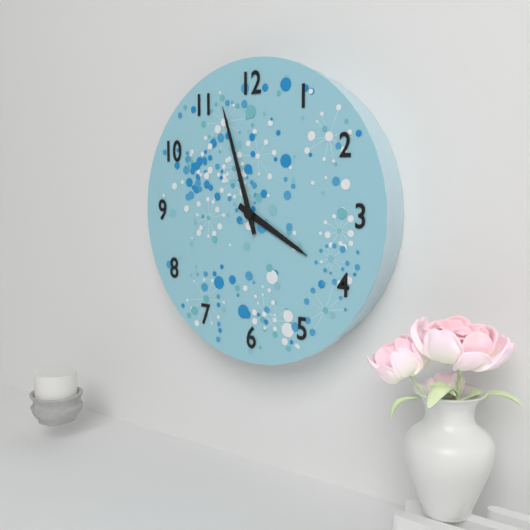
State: h=3 m=57
